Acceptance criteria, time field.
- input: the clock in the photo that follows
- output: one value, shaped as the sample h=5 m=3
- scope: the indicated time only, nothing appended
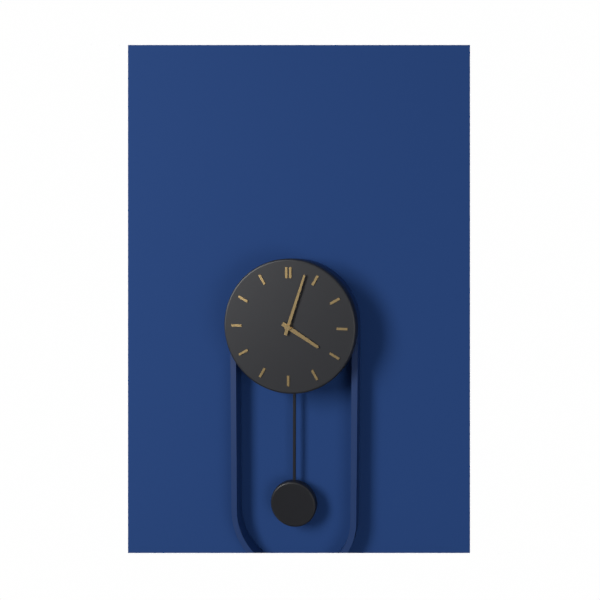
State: h=4 m=3
